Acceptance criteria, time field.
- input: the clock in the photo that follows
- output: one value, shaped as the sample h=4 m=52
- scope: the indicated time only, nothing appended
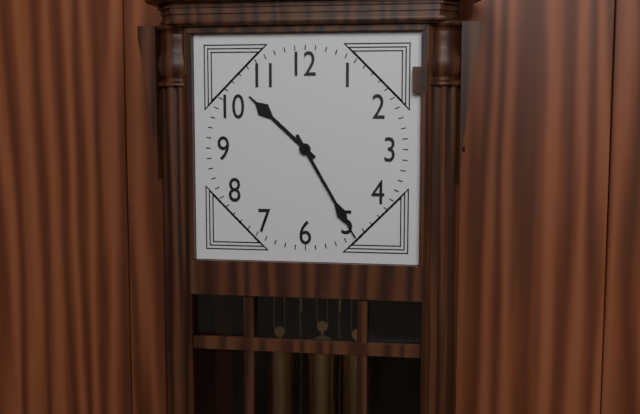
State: h=10 m=25
